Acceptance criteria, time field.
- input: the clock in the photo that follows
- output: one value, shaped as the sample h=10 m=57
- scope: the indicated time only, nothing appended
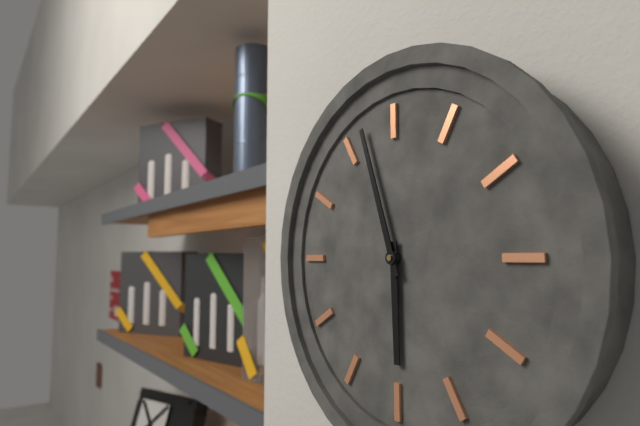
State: h=5 m=57
